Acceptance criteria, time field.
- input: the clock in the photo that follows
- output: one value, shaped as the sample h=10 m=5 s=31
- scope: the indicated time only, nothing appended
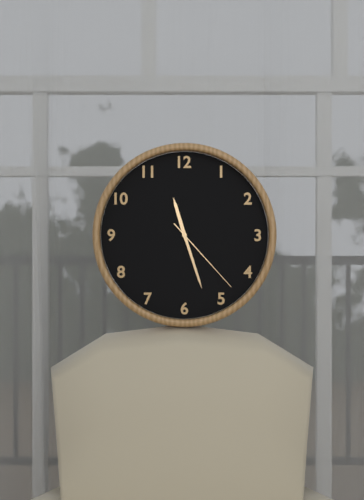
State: h=11 m=27 s=23
